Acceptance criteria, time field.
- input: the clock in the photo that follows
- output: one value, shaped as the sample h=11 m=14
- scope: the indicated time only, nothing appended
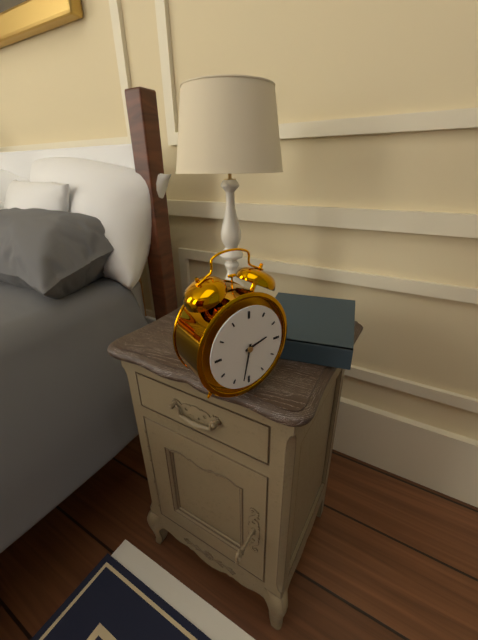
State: h=2 m=32
